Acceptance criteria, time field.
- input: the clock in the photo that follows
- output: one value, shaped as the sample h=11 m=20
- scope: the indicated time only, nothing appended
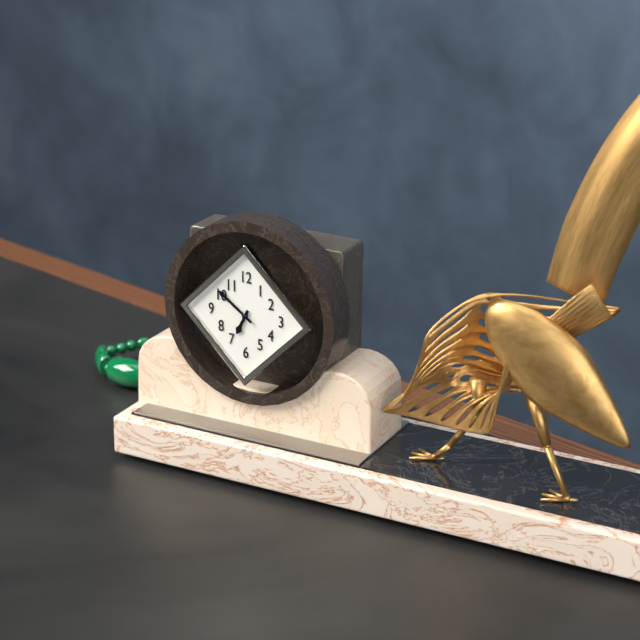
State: h=6 m=51
